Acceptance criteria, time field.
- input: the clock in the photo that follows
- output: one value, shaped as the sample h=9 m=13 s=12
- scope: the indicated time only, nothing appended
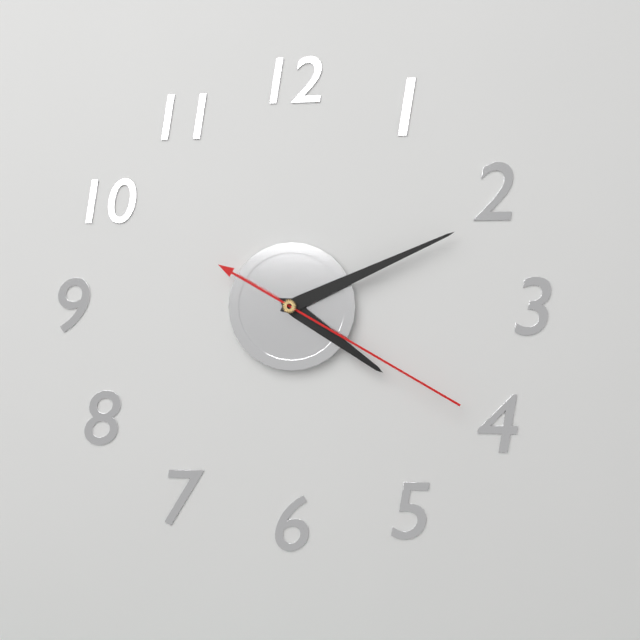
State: h=4 m=11 s=20
